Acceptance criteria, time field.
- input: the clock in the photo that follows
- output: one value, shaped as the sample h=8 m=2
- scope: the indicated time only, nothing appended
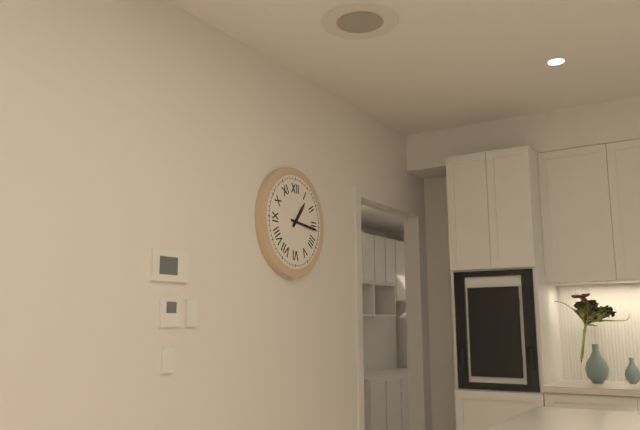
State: h=1 m=16
